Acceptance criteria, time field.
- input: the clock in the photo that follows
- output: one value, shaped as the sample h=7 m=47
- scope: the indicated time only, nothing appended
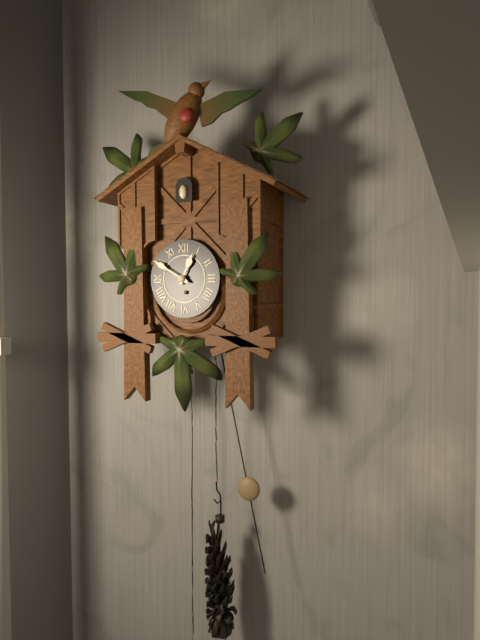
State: h=12 m=50
